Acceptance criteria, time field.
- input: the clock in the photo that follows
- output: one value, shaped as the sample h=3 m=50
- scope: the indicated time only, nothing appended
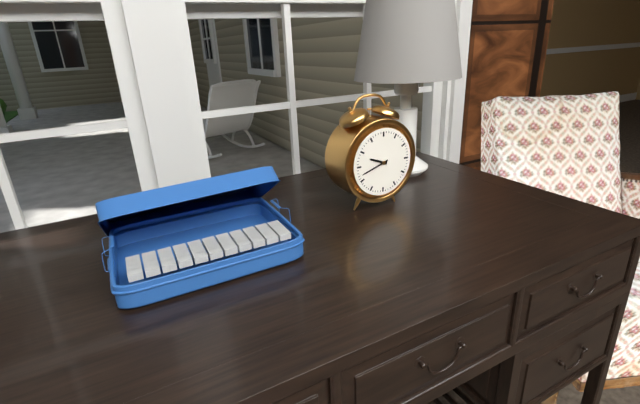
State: h=9 m=42
